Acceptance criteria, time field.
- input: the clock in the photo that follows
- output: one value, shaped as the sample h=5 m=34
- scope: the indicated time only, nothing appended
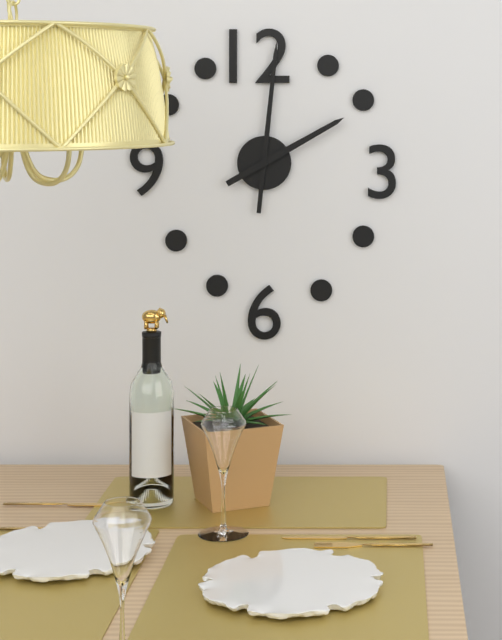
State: h=2 m=1
